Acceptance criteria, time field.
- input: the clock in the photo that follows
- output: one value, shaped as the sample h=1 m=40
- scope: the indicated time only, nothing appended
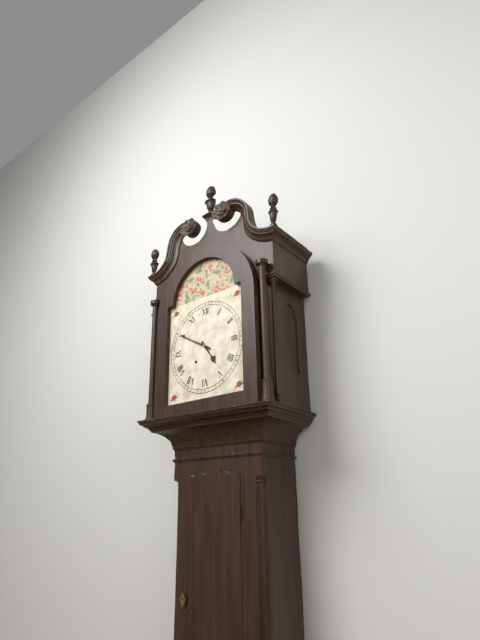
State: h=4 m=50
